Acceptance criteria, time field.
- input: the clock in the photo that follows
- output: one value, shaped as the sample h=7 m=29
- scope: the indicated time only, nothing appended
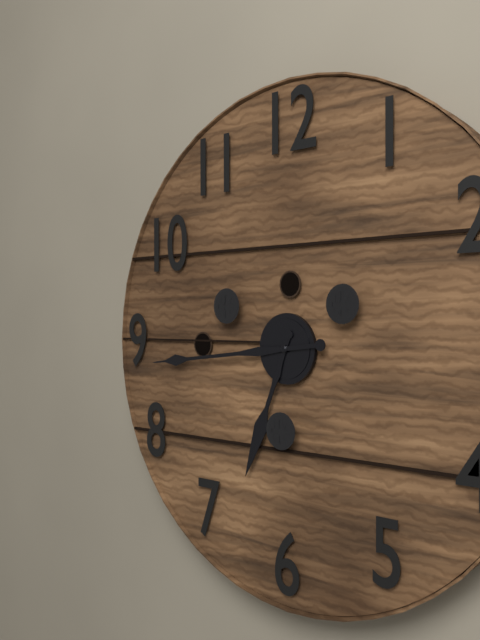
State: h=6 m=44
